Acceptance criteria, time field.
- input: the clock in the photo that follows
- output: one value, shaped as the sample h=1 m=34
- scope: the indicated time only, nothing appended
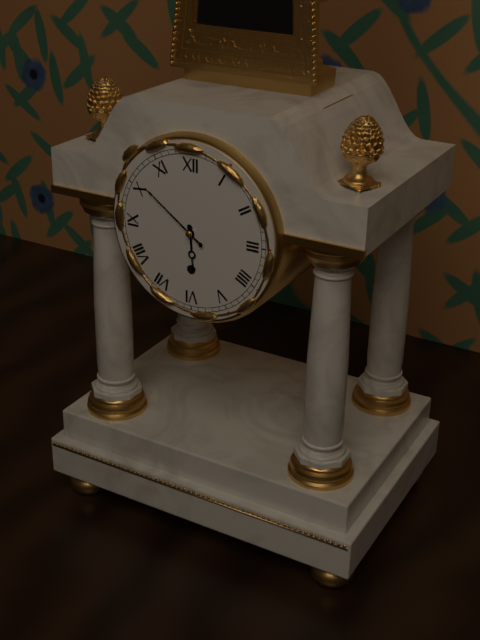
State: h=5 m=51
